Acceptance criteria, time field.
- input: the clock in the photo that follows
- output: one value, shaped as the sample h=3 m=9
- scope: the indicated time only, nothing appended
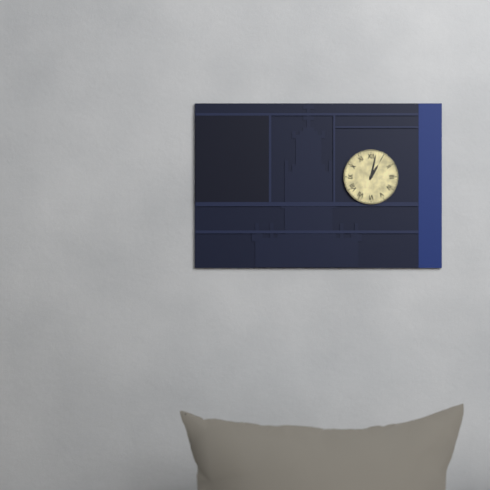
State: h=1 m=2
